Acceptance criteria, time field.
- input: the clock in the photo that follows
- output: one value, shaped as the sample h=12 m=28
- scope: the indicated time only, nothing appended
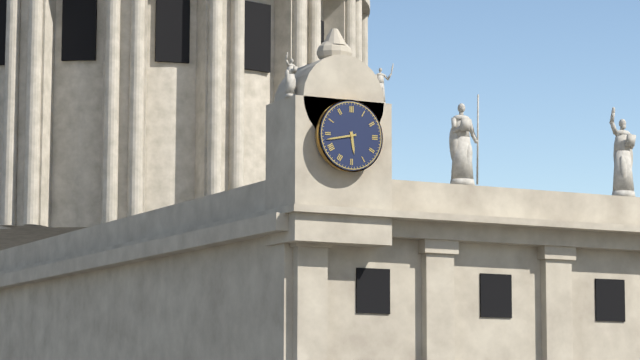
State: h=5 m=43
